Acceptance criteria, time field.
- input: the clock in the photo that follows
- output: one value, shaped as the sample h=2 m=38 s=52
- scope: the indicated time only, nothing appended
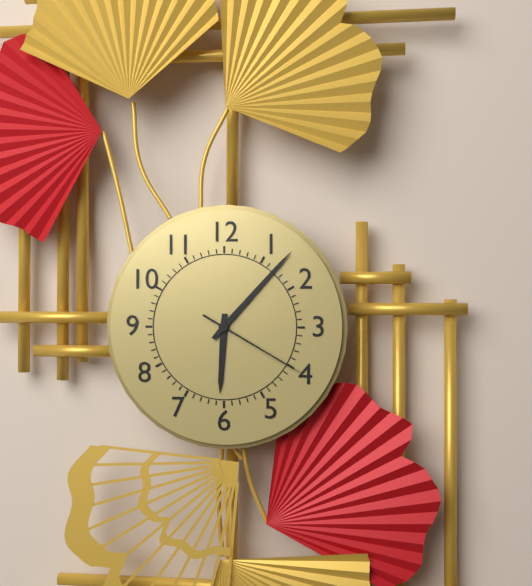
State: h=6 m=7 s=20
